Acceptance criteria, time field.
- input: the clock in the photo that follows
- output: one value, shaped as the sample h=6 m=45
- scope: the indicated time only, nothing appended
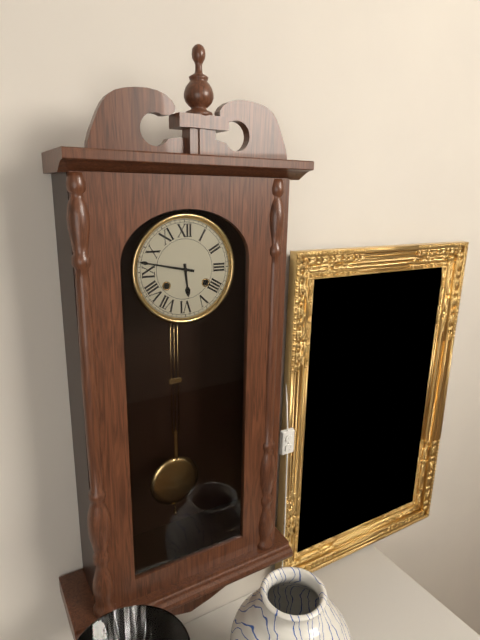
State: h=5 m=47
